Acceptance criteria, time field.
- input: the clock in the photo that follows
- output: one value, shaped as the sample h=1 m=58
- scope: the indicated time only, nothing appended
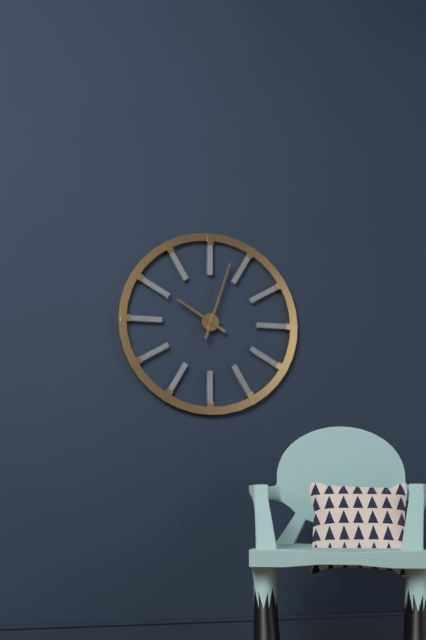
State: h=10 m=3
